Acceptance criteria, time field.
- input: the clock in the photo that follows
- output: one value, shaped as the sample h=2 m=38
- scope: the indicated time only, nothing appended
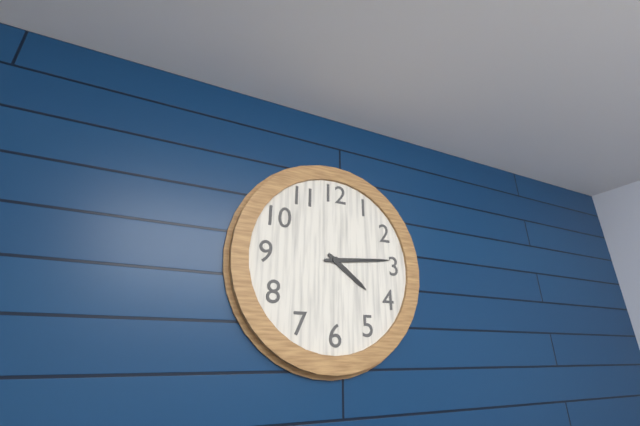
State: h=4 m=14
